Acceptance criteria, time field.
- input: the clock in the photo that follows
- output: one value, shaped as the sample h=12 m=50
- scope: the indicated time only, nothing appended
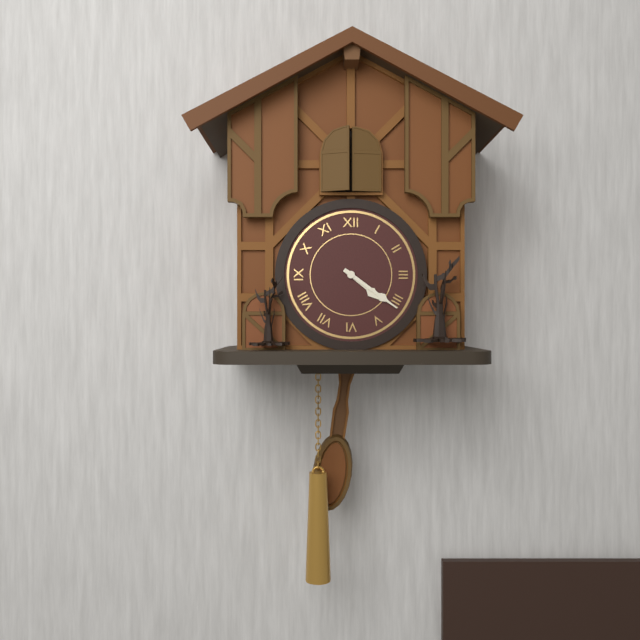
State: h=4 m=21
